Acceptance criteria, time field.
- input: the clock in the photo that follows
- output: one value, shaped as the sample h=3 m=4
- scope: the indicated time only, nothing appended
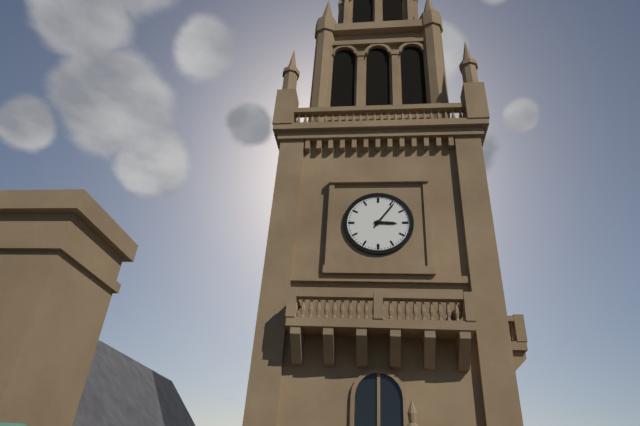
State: h=3 m=6
